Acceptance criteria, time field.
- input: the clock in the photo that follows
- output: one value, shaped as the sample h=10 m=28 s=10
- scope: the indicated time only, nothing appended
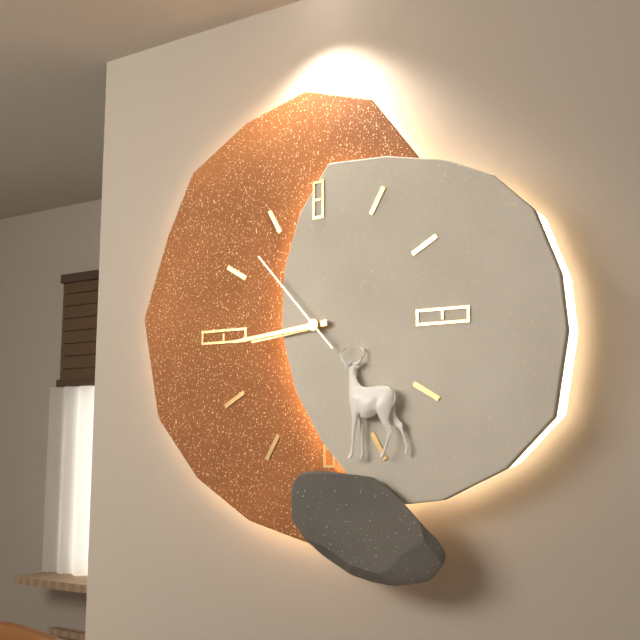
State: h=8 m=44 s=53
